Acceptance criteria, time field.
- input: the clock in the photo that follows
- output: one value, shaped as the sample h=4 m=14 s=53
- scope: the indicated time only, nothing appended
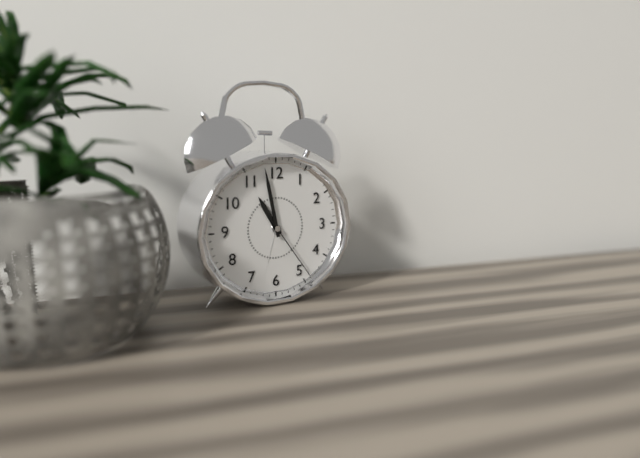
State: h=10 m=58 s=24
